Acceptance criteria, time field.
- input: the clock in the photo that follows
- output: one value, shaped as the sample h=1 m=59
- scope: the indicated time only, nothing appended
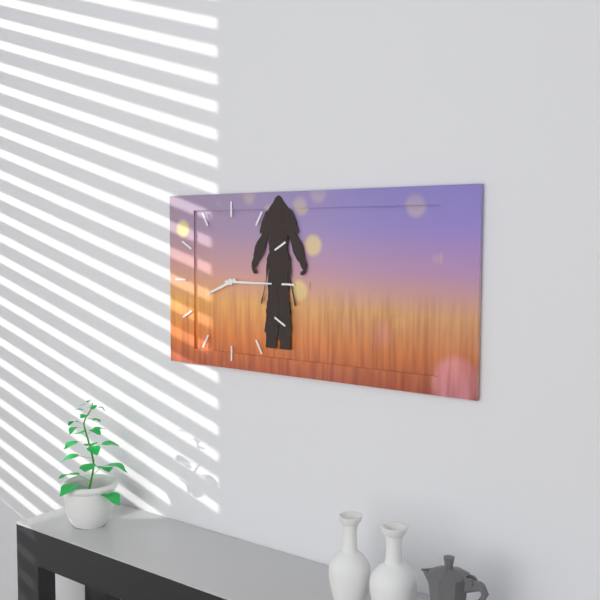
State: h=8 m=15
